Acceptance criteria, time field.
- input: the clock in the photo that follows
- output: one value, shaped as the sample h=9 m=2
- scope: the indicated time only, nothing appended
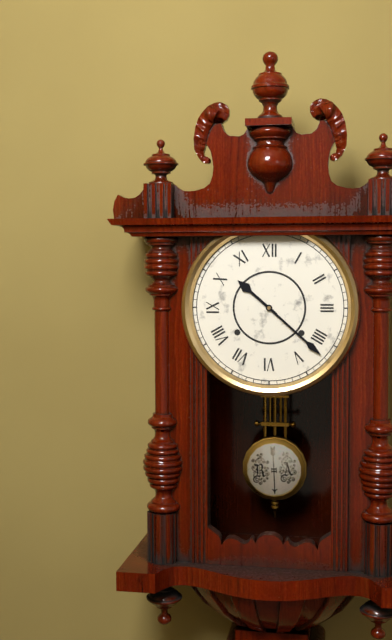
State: h=10 m=22
